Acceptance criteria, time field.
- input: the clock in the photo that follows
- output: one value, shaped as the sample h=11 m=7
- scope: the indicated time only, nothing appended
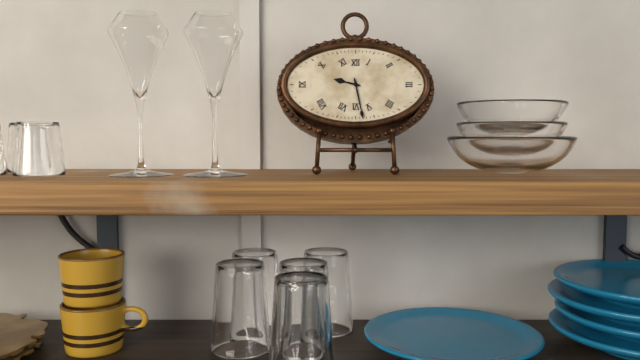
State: h=9 m=28
